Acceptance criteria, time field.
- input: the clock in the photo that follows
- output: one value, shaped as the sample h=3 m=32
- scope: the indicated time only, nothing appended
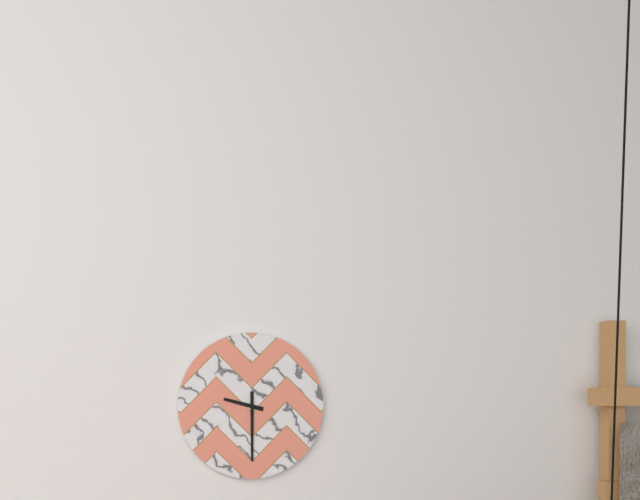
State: h=9 m=30
